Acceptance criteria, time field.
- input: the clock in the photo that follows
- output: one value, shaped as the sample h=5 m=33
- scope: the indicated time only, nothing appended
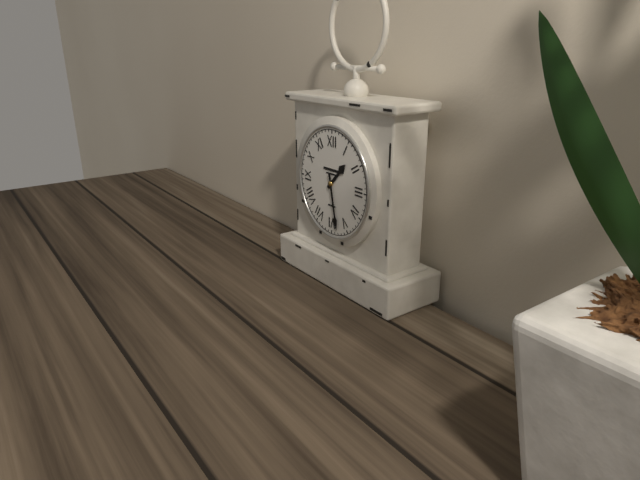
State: h=1 m=28
